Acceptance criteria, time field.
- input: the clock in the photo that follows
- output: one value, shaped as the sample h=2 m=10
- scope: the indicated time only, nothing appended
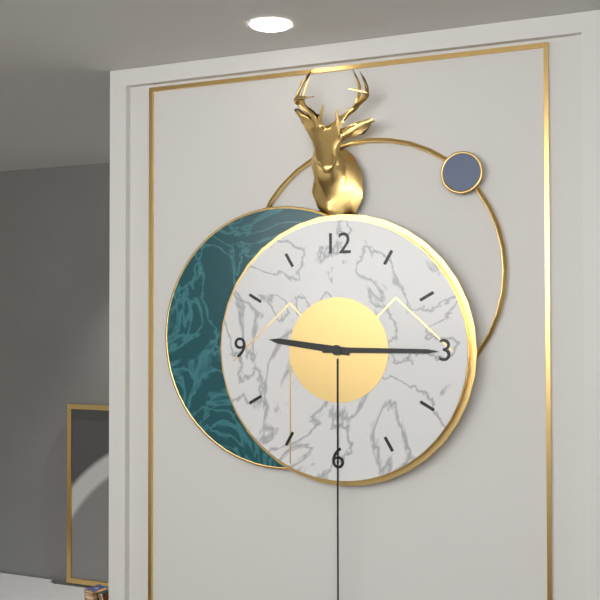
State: h=9 m=15
